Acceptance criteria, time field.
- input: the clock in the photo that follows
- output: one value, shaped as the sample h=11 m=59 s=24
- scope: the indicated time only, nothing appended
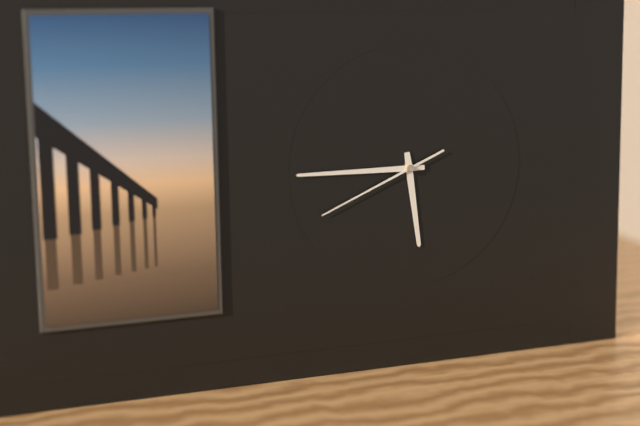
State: h=5 m=45 s=41
